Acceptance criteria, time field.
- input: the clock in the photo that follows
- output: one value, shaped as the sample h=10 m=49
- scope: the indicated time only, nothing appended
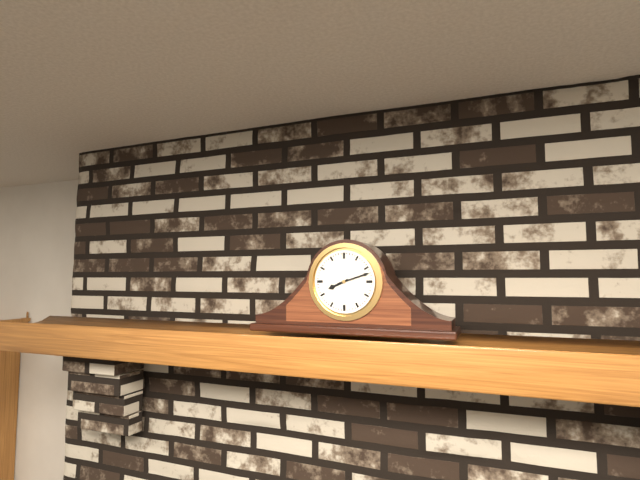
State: h=8 m=12
